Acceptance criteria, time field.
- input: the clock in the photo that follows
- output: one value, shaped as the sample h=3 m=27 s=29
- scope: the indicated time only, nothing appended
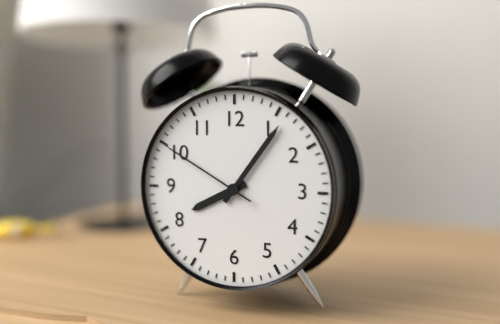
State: h=8 m=6 s=50
